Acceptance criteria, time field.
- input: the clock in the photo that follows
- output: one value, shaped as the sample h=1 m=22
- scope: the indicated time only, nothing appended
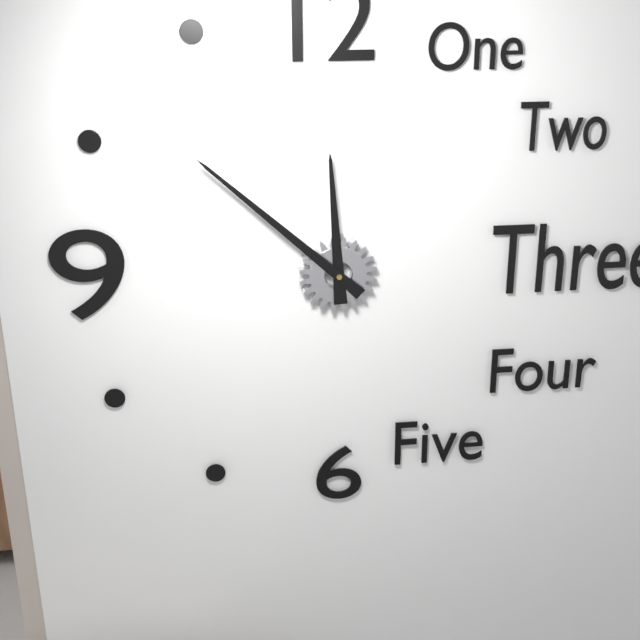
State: h=11 m=52
